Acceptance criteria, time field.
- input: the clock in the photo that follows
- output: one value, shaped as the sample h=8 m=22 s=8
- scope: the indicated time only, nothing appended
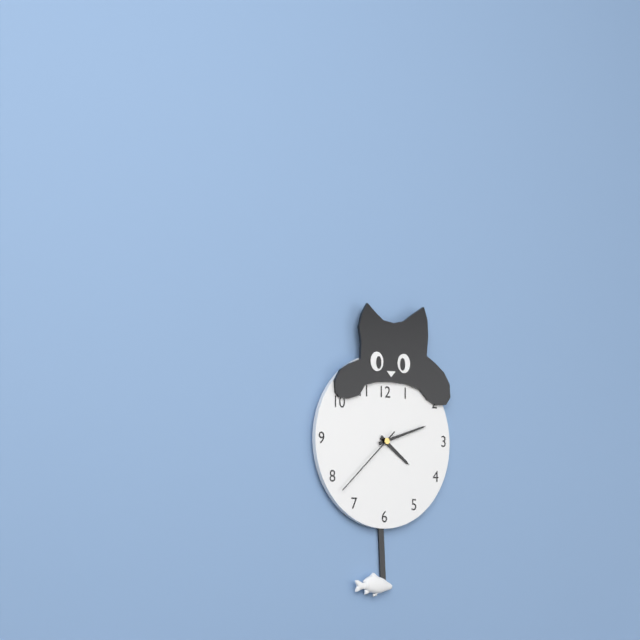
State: h=4 m=12 s=38
